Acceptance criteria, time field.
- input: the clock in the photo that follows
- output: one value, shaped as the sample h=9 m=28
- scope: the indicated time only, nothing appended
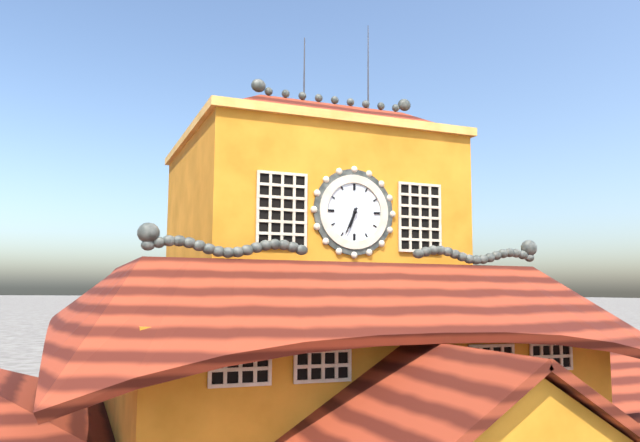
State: h=6 m=34
